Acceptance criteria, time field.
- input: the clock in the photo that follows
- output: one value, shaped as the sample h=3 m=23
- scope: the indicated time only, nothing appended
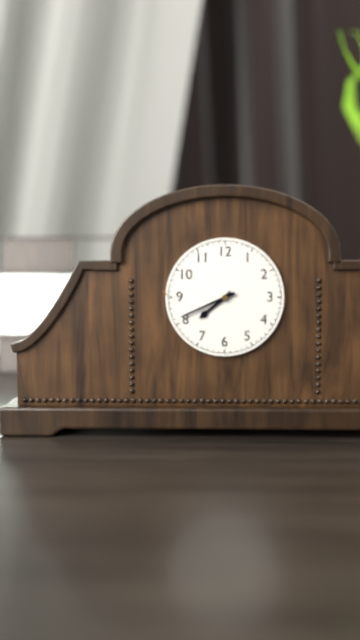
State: h=7 m=41
